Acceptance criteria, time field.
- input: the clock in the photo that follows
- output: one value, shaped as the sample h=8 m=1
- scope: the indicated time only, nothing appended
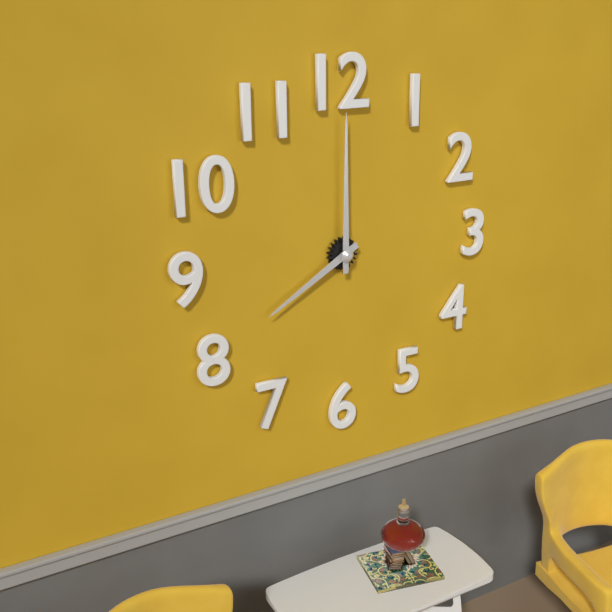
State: h=8 m=0
